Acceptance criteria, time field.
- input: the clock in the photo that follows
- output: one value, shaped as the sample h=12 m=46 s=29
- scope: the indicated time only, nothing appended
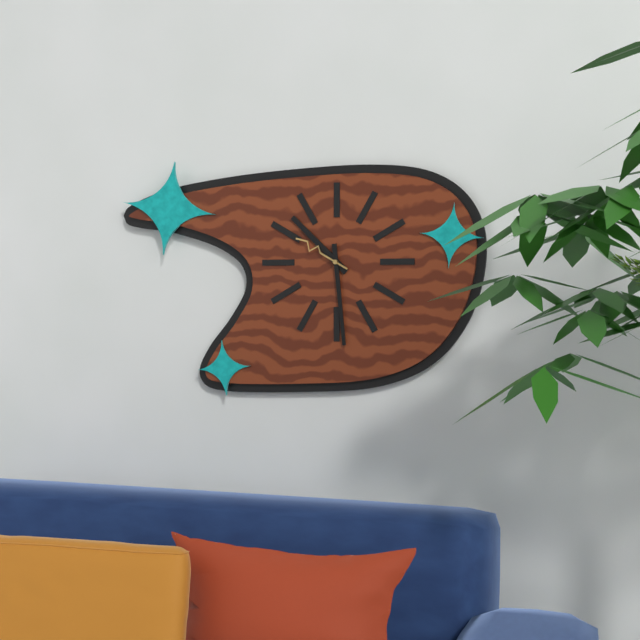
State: h=10 m=29 s=50
